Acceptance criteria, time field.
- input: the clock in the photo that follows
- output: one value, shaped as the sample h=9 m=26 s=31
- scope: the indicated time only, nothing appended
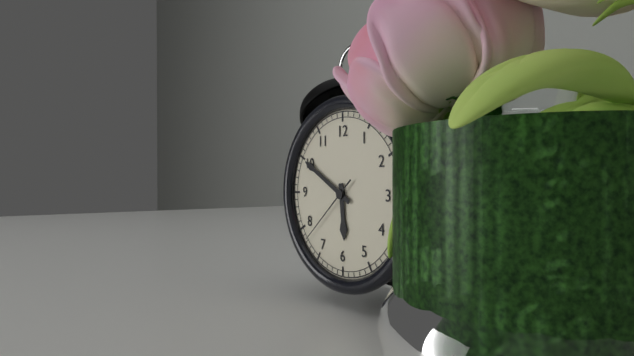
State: h=5 m=50 s=38
